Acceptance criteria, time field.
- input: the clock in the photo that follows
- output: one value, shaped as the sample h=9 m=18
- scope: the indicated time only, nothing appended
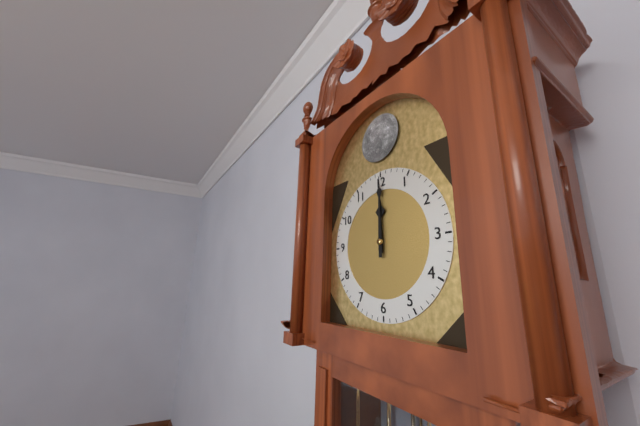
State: h=12 m=0
